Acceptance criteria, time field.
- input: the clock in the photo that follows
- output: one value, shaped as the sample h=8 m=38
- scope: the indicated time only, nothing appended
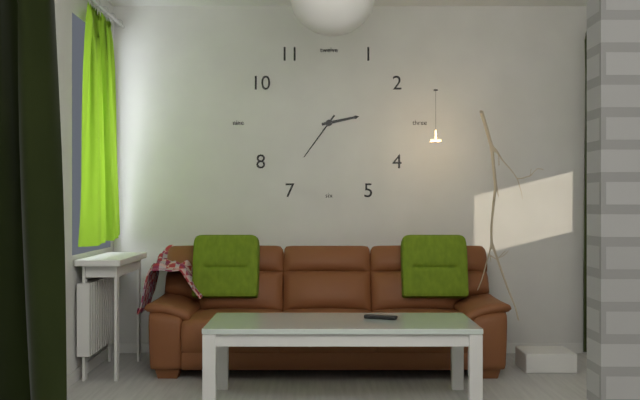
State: h=2 m=36
